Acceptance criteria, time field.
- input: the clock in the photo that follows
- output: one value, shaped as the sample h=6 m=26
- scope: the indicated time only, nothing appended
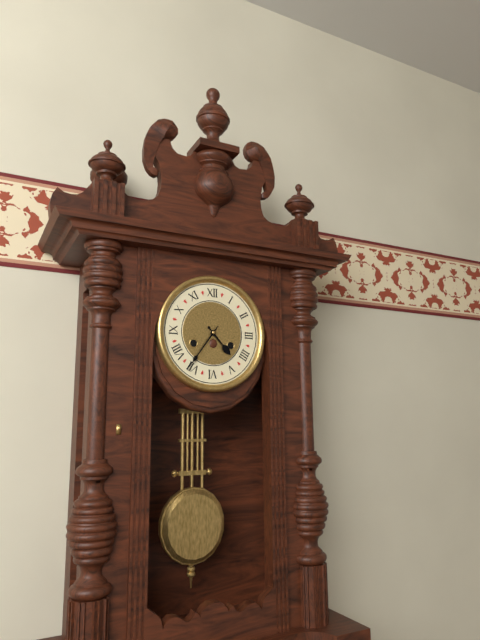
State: h=4 m=36
